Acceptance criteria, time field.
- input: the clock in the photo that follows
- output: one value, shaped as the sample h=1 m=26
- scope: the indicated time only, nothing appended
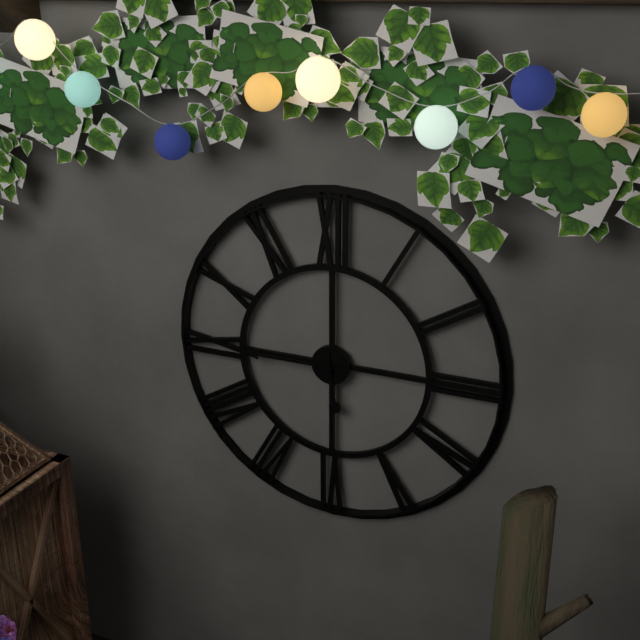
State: h=5 m=45
